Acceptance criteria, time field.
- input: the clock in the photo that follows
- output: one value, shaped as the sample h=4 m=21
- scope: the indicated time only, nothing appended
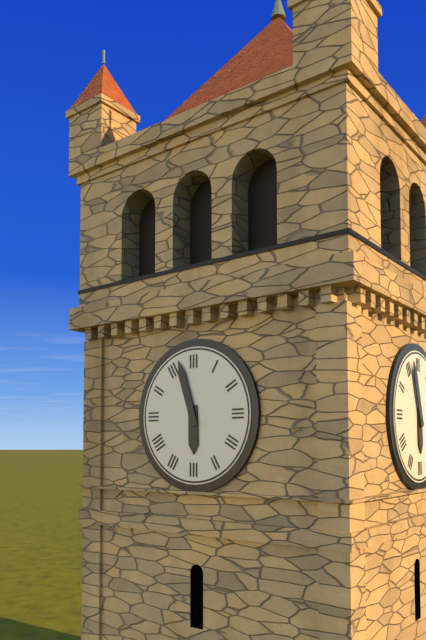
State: h=5 m=57
